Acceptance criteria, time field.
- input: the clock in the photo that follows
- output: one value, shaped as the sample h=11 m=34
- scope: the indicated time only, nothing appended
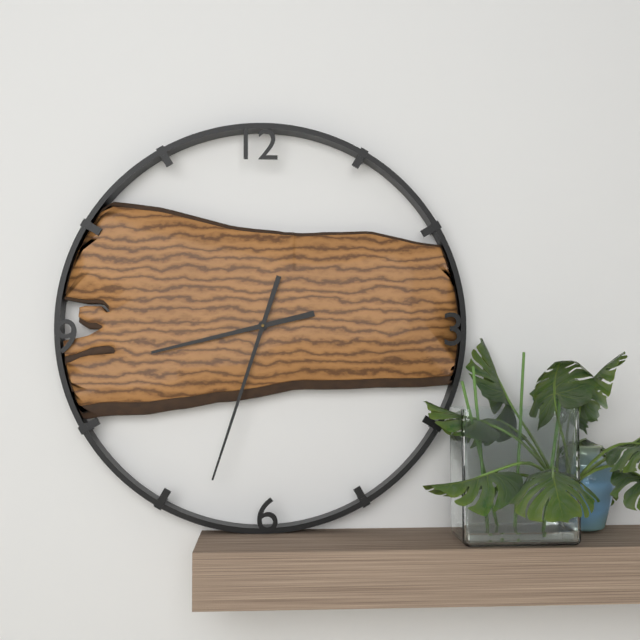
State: h=8 m=33
